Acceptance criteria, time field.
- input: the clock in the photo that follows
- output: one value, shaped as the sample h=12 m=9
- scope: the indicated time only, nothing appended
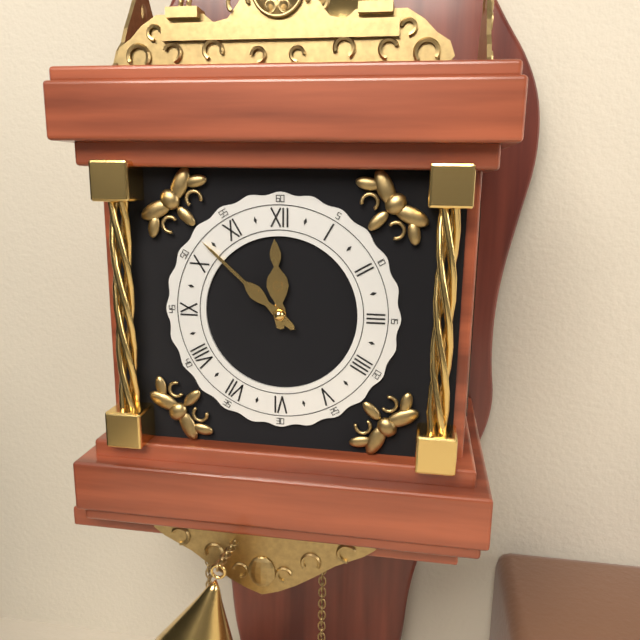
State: h=11 m=52
